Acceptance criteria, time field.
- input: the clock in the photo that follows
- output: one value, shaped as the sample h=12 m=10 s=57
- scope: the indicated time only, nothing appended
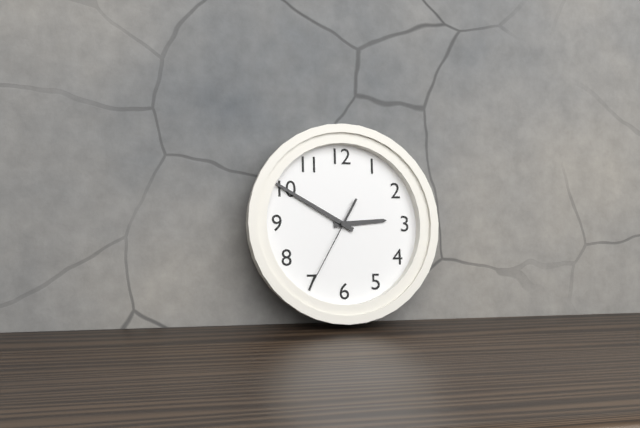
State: h=2 m=50 s=35
